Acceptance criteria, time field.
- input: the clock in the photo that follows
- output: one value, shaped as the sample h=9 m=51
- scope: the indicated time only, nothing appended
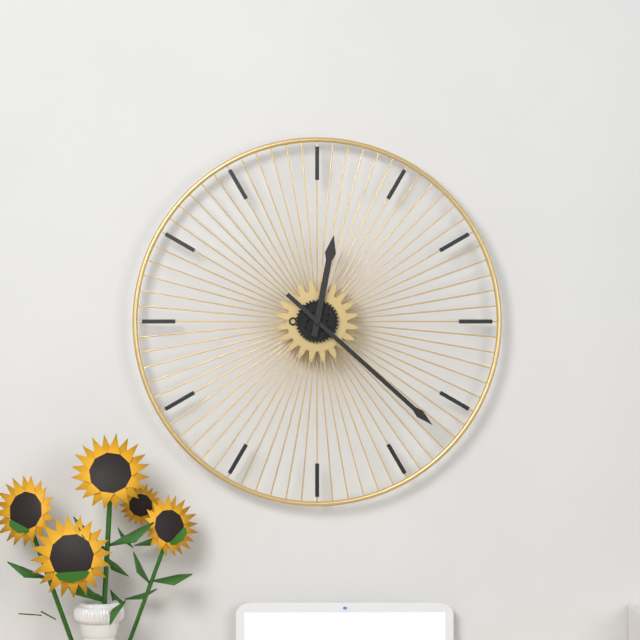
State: h=12 m=22
